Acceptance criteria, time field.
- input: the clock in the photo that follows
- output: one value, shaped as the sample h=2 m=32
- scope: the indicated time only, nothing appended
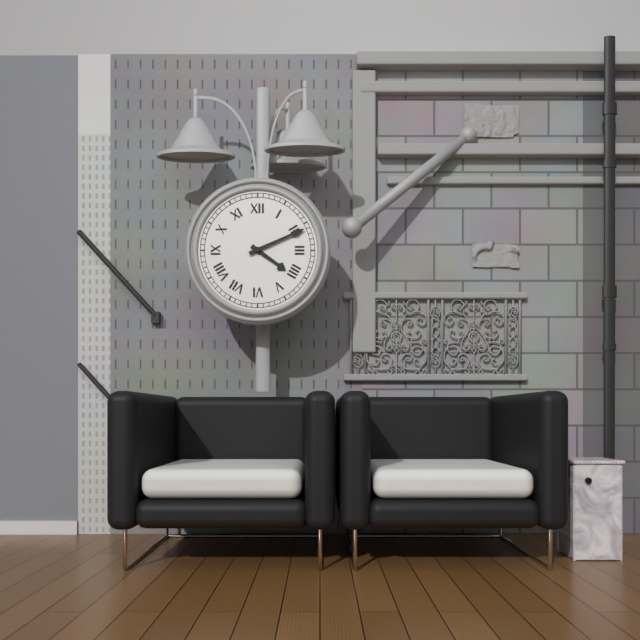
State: h=4 m=11
